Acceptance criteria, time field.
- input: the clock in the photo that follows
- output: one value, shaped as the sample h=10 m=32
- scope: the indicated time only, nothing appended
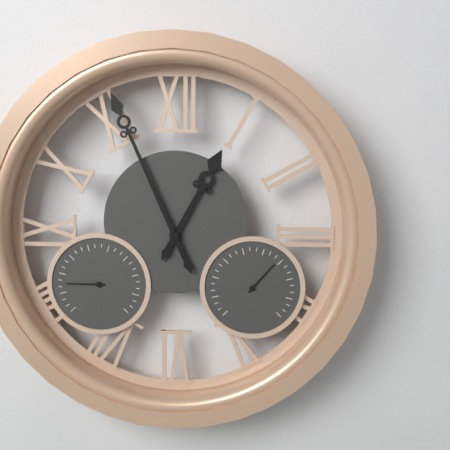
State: h=12 m=56
